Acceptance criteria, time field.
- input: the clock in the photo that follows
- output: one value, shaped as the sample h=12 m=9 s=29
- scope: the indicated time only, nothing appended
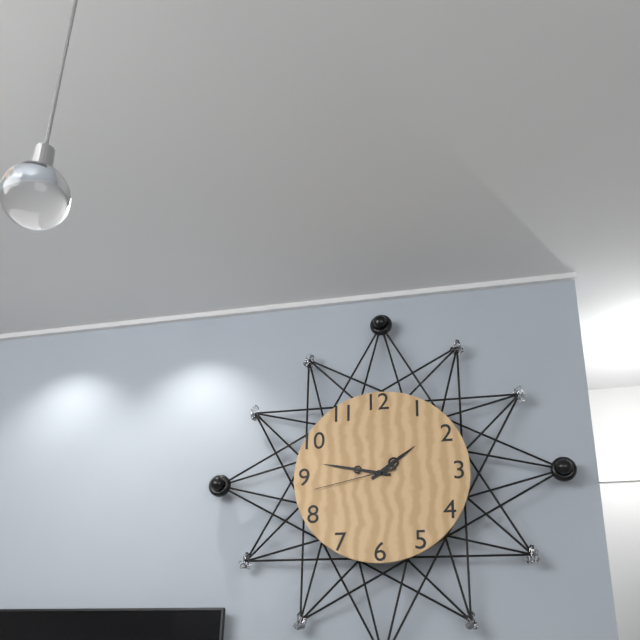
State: h=1 m=47 s=43
